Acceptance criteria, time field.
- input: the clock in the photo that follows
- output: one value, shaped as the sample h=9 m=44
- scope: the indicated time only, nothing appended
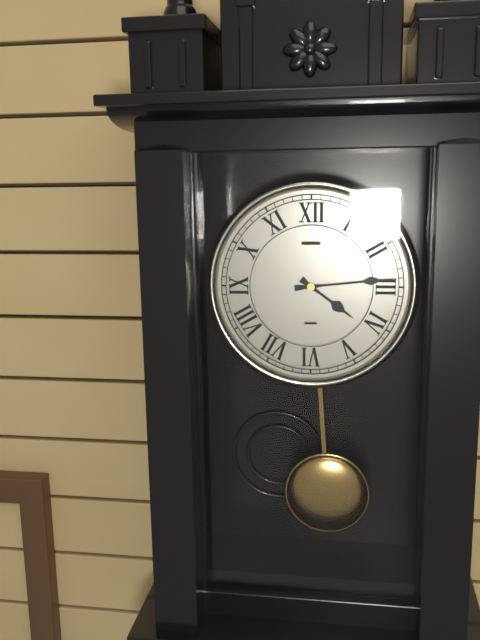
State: h=4 m=14
